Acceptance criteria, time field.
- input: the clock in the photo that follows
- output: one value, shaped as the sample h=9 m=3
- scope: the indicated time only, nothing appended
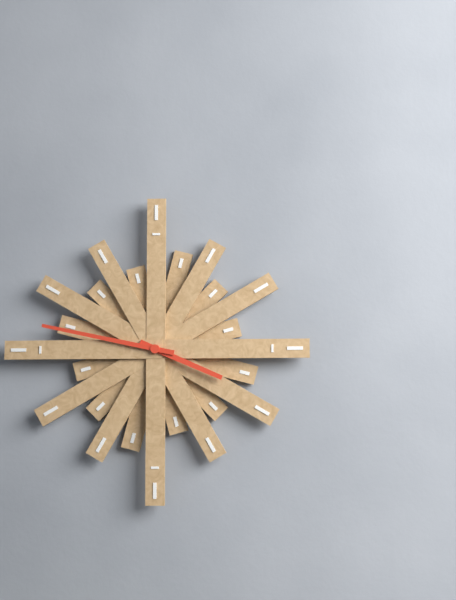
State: h=3 m=47
